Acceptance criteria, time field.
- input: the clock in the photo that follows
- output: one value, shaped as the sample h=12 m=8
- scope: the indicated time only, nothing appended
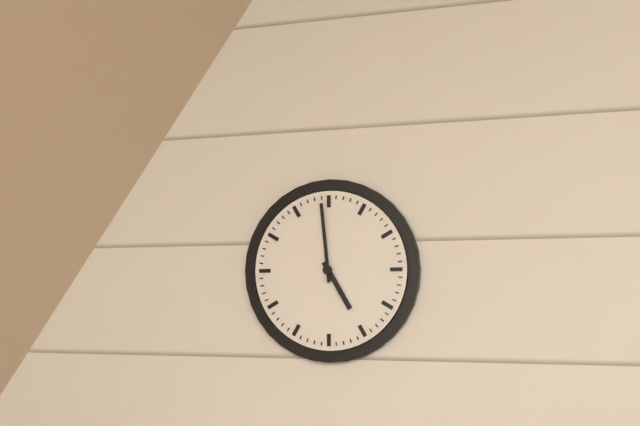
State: h=4 m=59
